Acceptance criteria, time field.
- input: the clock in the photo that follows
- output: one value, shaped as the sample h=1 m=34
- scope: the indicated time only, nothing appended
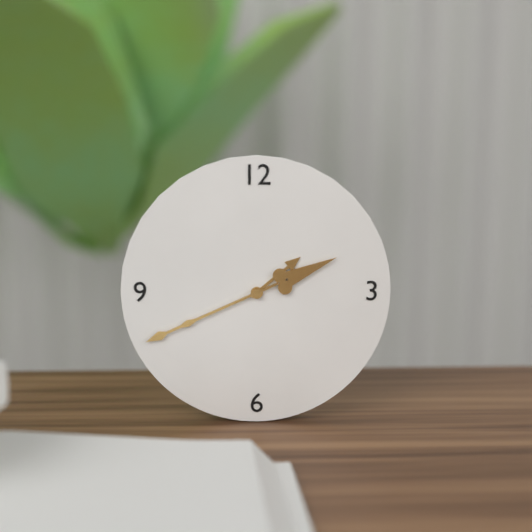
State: h=1 m=41
